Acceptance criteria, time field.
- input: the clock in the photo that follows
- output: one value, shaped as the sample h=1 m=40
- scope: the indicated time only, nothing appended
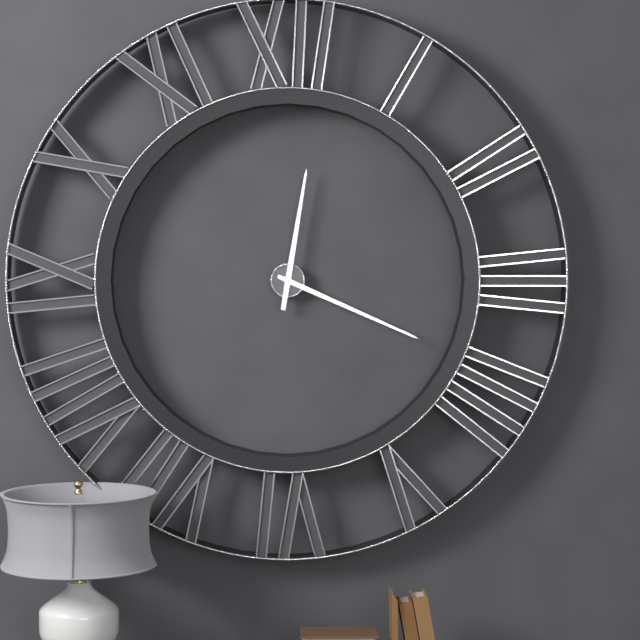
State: h=12 m=19
